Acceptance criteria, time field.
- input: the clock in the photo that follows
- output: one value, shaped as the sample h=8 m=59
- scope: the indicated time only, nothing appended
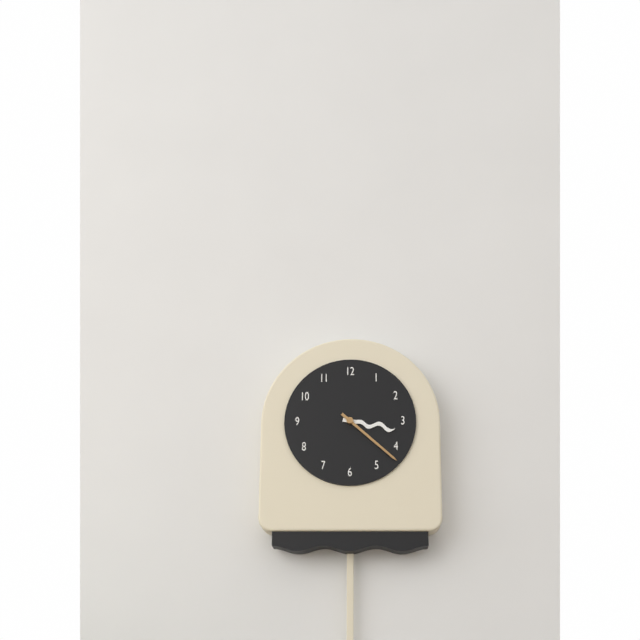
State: h=3 m=22
